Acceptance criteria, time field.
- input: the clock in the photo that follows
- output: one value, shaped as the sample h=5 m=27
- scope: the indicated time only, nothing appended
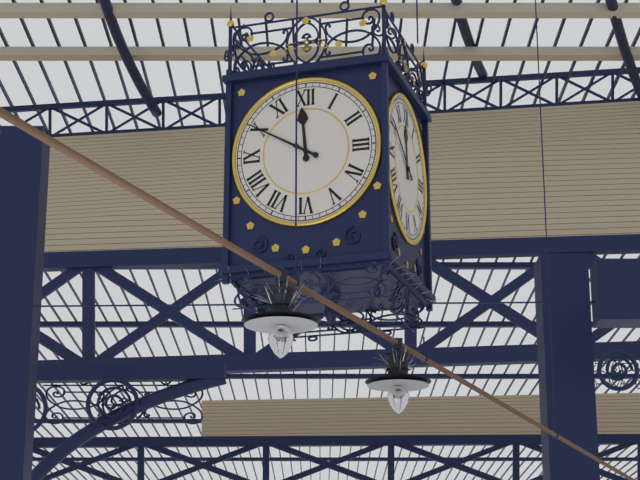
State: h=11 m=50
